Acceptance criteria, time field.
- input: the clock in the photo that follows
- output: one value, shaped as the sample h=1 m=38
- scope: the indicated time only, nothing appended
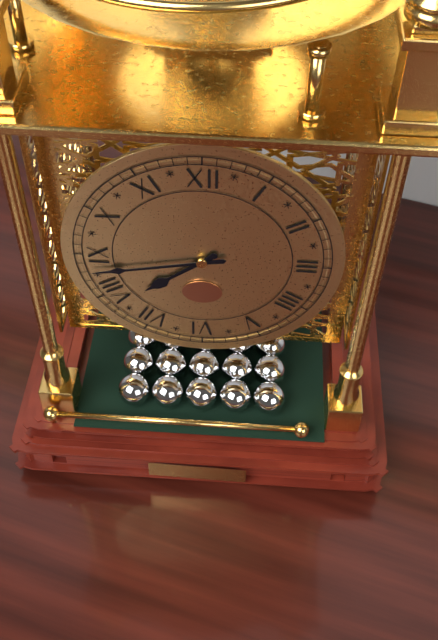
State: h=7 m=43
